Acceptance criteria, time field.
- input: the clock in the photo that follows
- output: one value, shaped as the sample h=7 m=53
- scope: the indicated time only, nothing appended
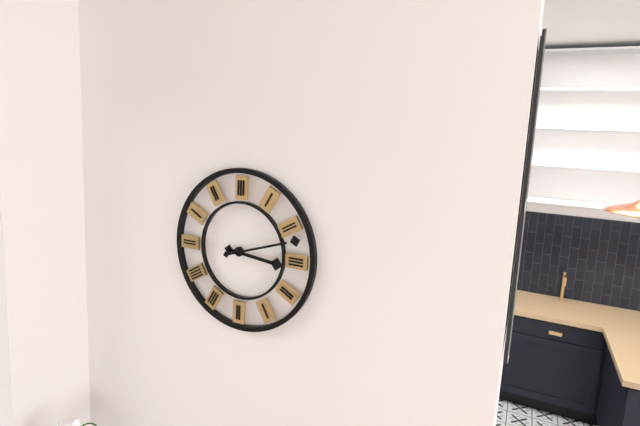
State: h=3 m=12
